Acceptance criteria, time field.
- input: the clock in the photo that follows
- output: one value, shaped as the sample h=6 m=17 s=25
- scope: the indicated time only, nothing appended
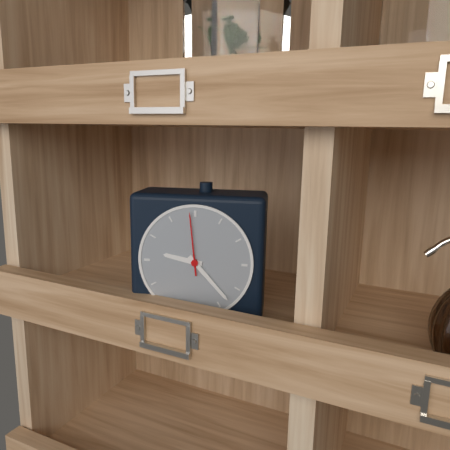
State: h=9 m=23 s=59
